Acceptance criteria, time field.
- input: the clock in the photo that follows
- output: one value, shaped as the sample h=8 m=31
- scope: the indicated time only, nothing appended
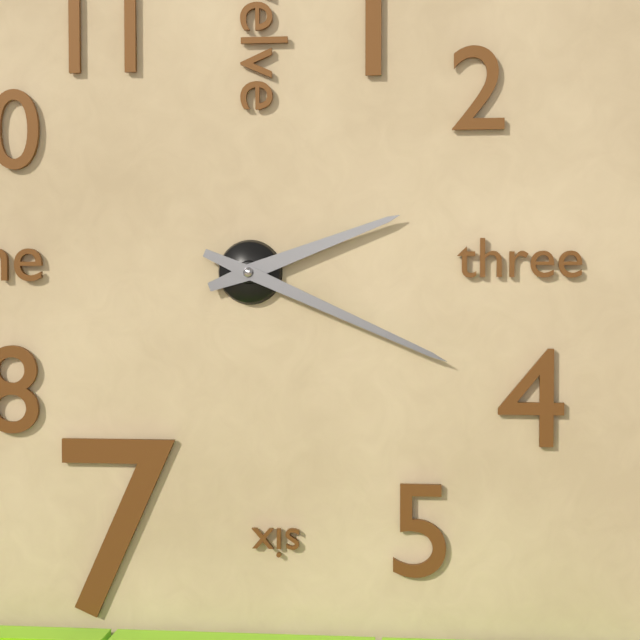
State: h=2 m=19
